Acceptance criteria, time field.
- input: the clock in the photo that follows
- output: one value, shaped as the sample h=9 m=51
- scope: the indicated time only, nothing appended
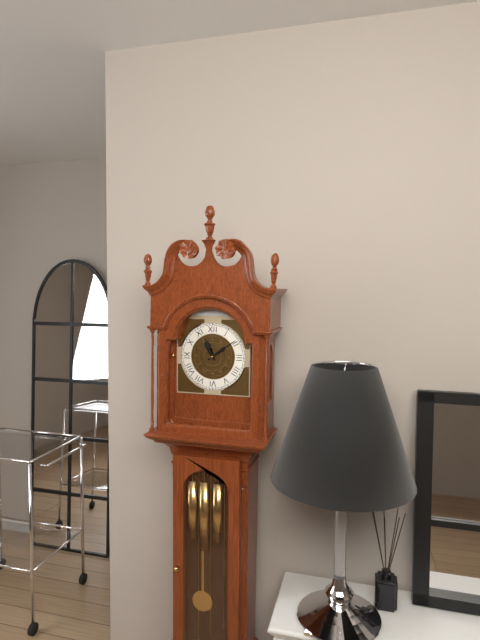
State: h=11 m=9
